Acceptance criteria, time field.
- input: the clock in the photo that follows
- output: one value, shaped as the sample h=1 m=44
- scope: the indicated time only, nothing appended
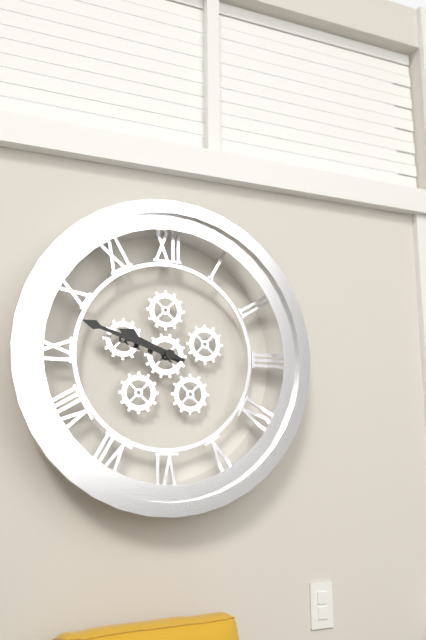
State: h=9 m=48
